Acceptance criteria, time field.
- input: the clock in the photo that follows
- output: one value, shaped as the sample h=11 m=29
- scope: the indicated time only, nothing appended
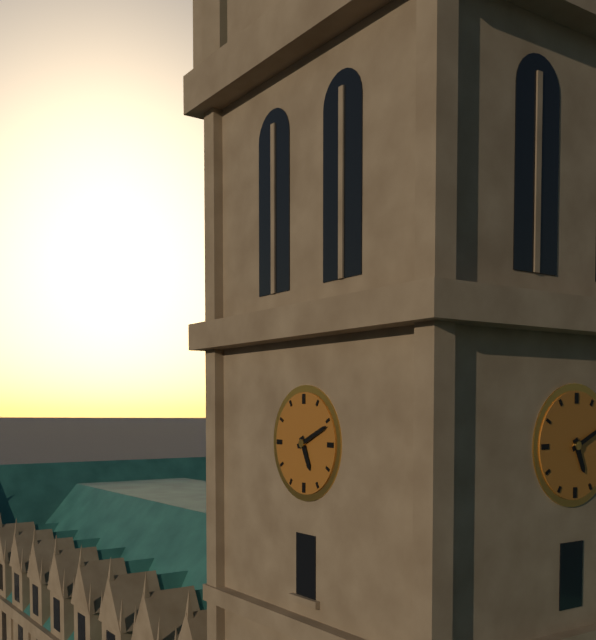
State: h=5 m=11
